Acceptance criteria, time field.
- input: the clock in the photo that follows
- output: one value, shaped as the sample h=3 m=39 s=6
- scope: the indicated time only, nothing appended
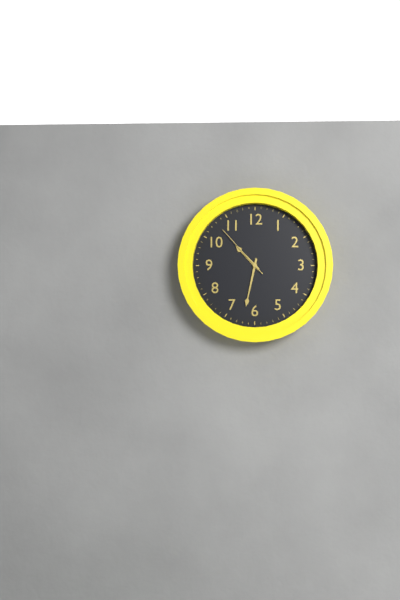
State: h=10 m=32 s=53
